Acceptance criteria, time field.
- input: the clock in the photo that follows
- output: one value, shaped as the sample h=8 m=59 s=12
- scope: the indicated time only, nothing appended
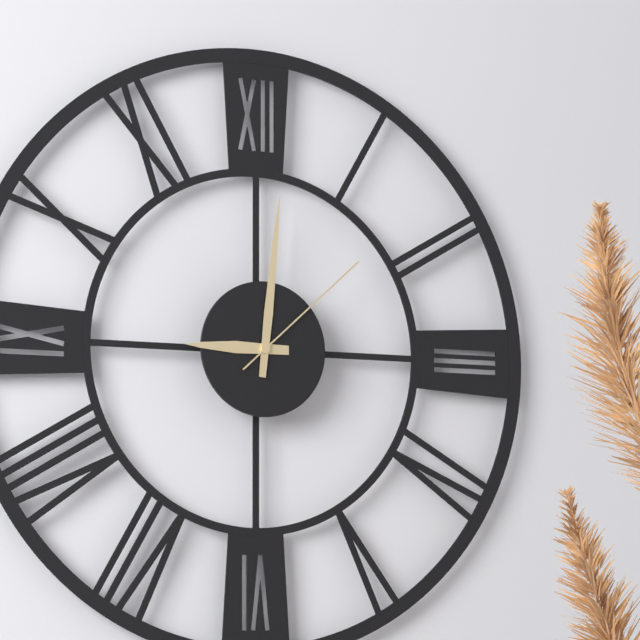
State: h=9 m=1 s=8
